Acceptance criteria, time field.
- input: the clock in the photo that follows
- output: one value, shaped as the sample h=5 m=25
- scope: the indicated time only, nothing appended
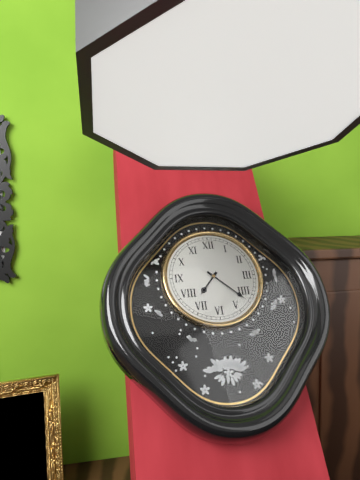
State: h=7 m=22
